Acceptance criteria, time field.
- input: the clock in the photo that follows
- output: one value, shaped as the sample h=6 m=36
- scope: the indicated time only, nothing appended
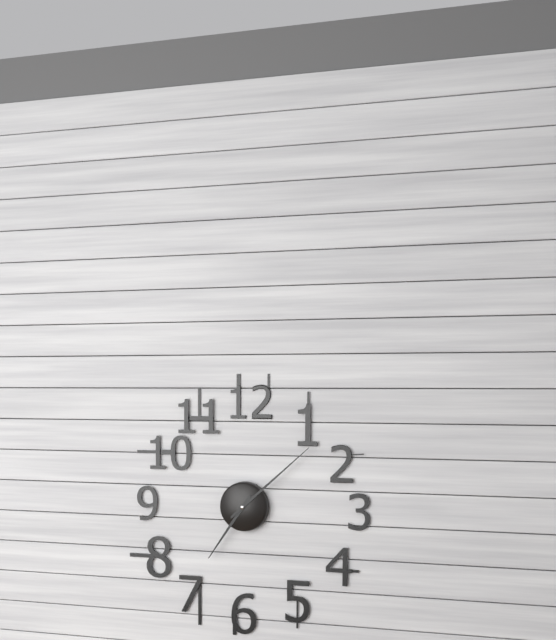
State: h=7 m=8
